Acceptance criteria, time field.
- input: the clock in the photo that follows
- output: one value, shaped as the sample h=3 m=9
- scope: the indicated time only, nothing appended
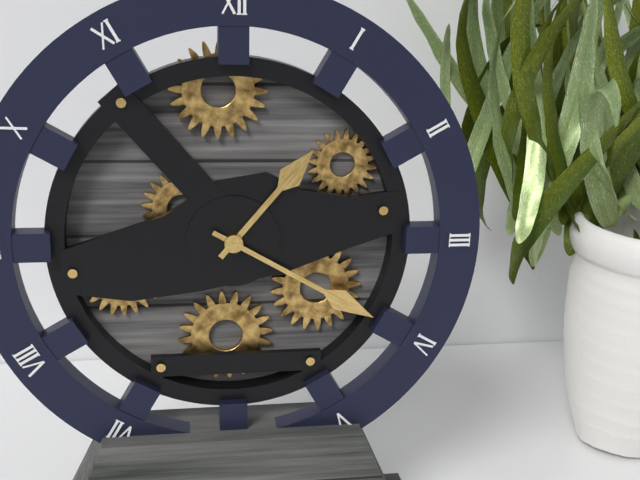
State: h=1 m=20
